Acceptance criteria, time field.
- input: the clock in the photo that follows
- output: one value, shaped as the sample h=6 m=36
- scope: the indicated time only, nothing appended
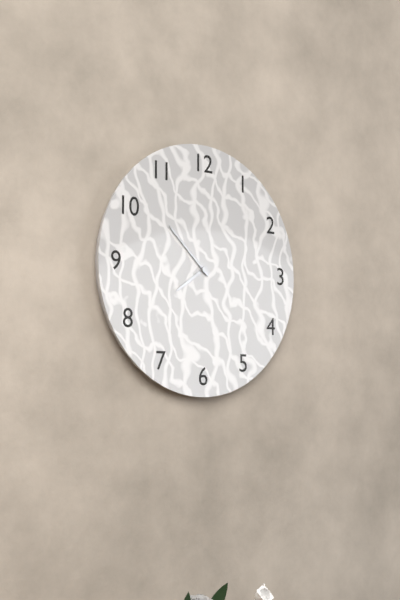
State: h=7 m=52
